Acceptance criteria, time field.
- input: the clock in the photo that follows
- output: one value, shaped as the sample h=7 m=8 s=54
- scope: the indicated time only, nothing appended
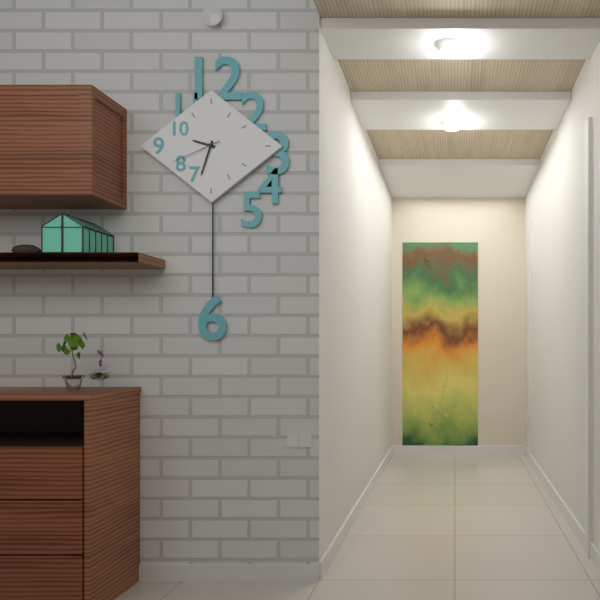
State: h=9 m=33 s=41
